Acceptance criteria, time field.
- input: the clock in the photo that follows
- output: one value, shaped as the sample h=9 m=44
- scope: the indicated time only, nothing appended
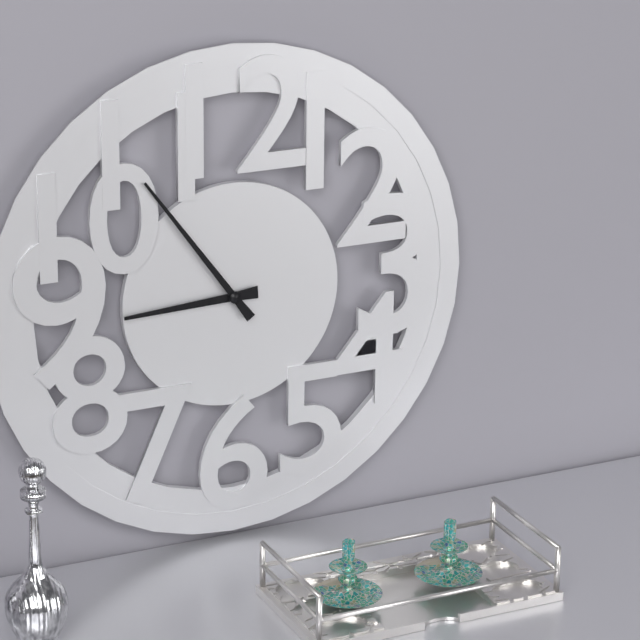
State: h=8 m=54
